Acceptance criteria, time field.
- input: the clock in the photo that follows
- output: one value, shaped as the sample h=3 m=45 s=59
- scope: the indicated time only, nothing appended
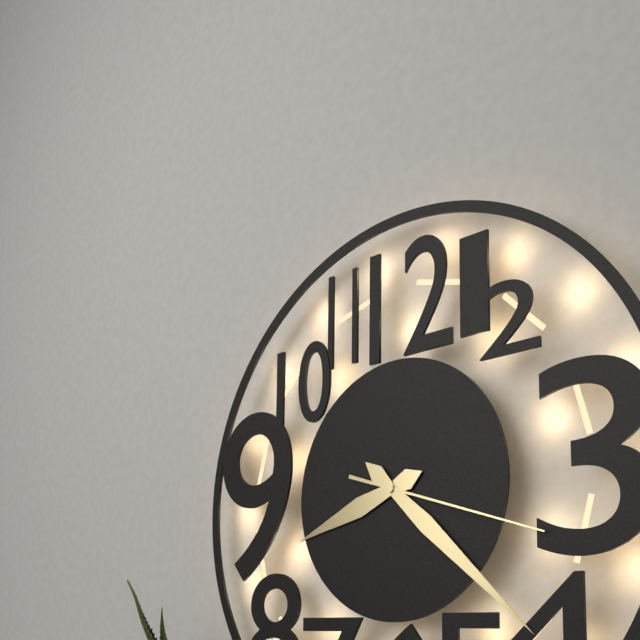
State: h=8 m=22 s=18
